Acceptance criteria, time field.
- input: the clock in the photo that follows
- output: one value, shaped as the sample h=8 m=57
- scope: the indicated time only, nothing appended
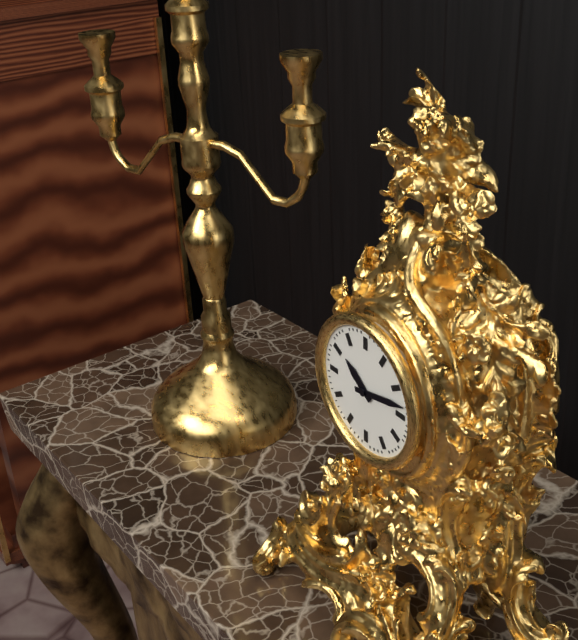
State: h=10 m=13
